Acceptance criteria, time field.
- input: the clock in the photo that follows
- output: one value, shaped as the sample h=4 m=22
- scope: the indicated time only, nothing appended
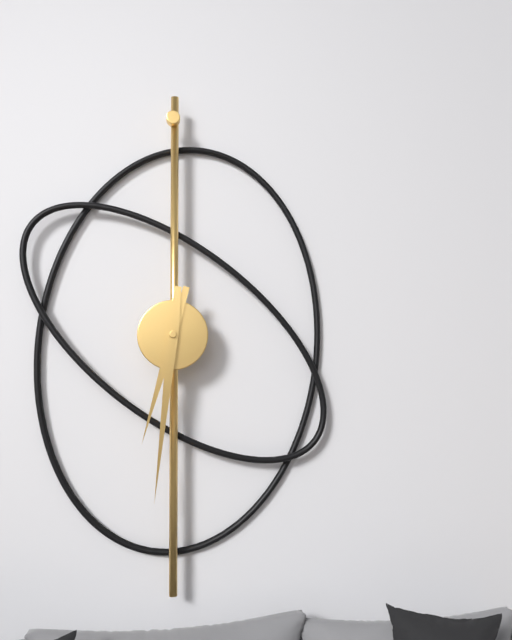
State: h=6 m=31
